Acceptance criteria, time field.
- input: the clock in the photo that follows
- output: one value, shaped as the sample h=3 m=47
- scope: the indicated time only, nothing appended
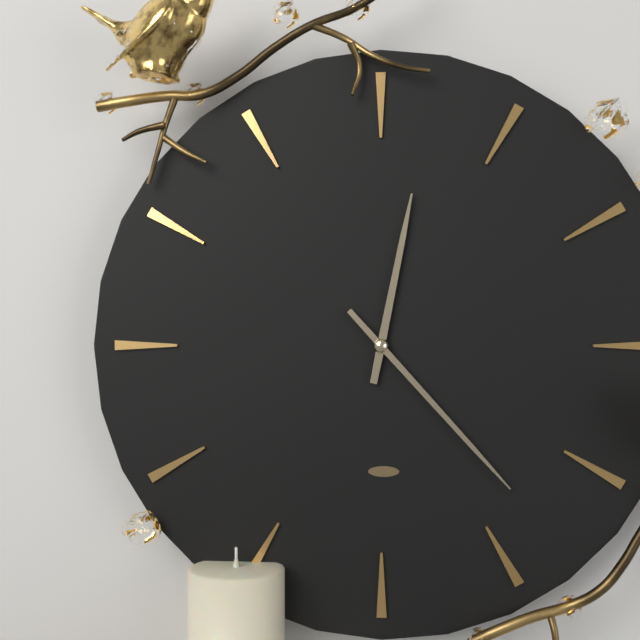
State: h=12 m=23
